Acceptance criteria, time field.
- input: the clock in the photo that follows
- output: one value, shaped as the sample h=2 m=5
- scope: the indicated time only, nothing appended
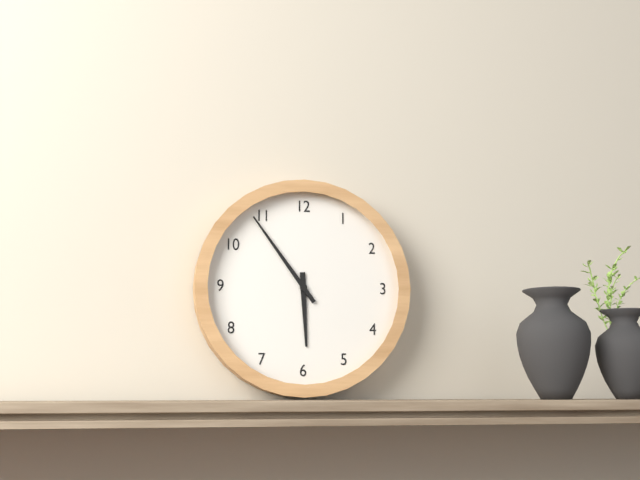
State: h=5 m=54
